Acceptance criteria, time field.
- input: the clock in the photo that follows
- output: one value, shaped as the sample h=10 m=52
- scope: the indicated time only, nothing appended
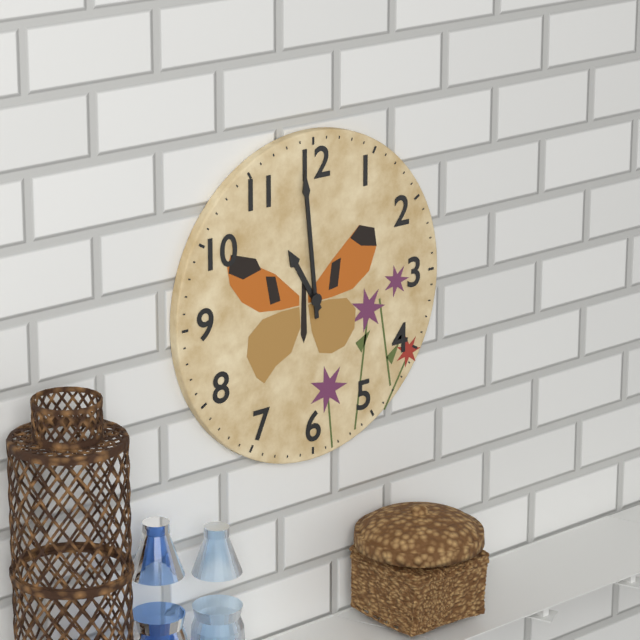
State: h=10 m=59
